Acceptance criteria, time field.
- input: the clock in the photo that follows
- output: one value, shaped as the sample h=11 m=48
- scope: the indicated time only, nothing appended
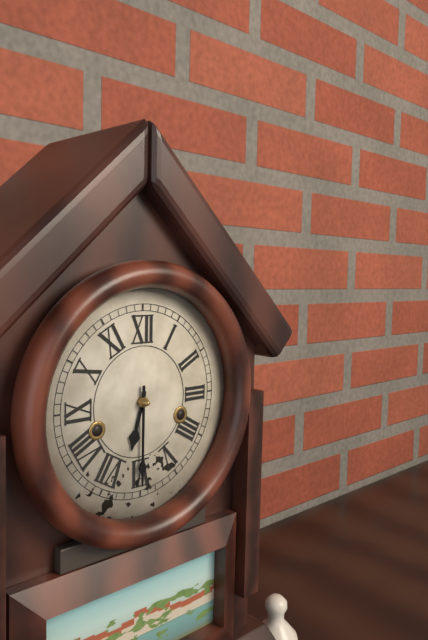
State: h=6 m=30
